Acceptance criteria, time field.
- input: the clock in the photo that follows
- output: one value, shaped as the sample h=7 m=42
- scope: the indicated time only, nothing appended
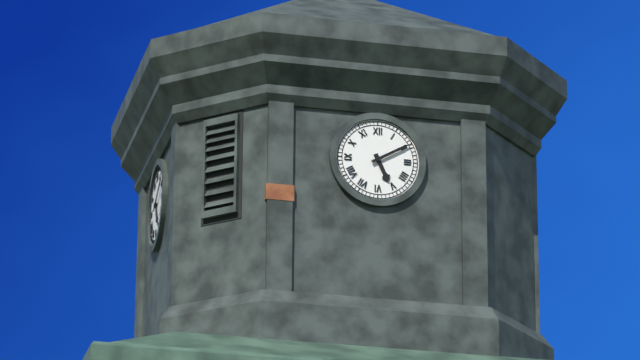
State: h=5 m=10
